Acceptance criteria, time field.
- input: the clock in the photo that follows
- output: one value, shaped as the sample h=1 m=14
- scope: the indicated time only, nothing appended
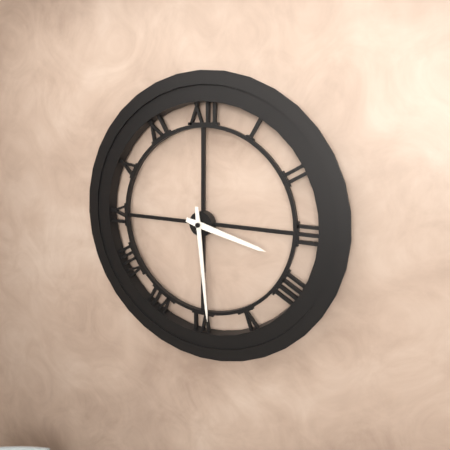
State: h=3 m=29
